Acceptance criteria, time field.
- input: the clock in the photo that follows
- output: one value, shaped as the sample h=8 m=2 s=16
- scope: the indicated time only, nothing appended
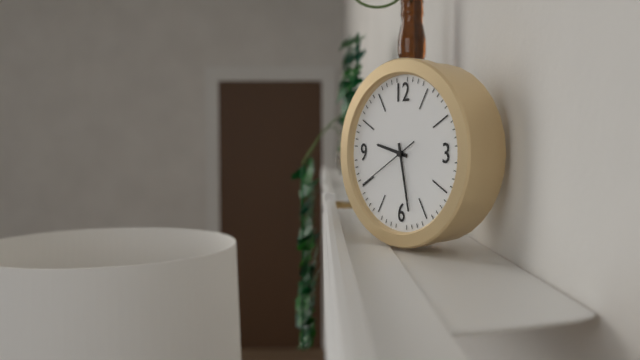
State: h=9 m=28 s=40
